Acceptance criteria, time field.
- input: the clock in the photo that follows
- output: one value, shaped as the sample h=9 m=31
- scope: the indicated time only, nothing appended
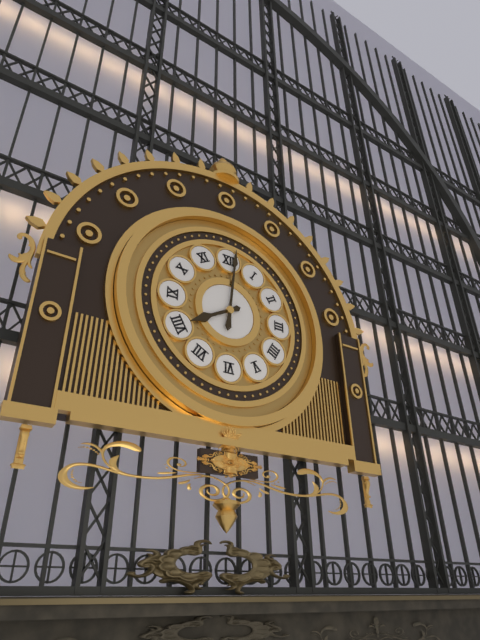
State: h=8 m=1
